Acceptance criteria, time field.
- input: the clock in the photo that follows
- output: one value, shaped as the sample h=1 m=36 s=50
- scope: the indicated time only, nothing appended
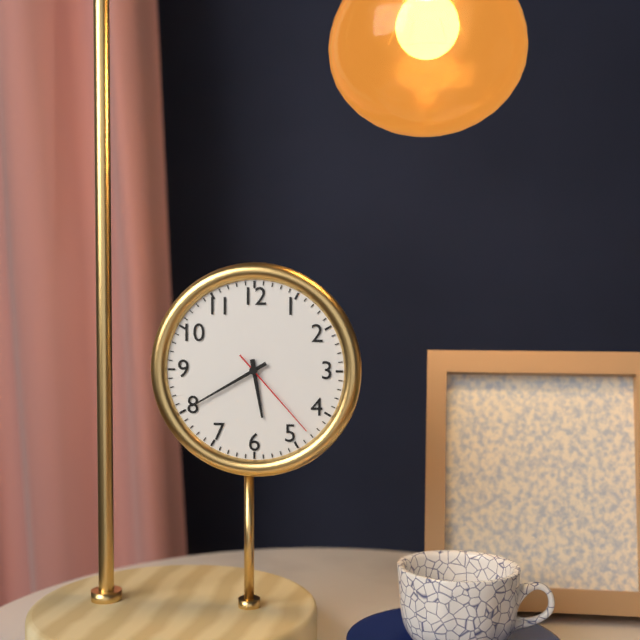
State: h=5 m=40 s=23
